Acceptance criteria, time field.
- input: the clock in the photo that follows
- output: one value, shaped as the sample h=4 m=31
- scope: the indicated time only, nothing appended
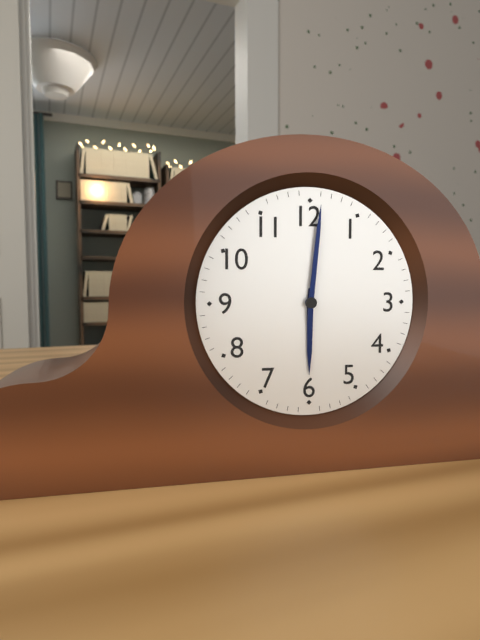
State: h=6 m=1
